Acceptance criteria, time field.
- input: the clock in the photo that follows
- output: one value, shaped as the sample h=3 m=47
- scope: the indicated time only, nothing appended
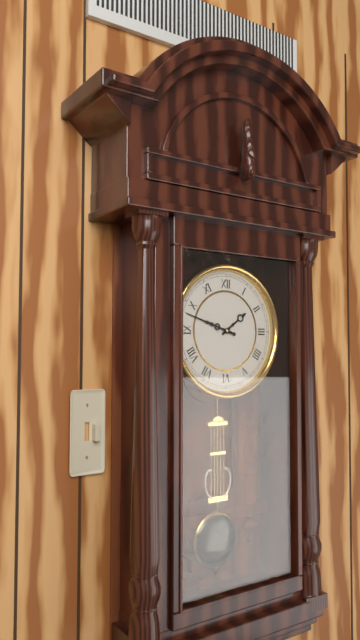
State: h=1 m=48
